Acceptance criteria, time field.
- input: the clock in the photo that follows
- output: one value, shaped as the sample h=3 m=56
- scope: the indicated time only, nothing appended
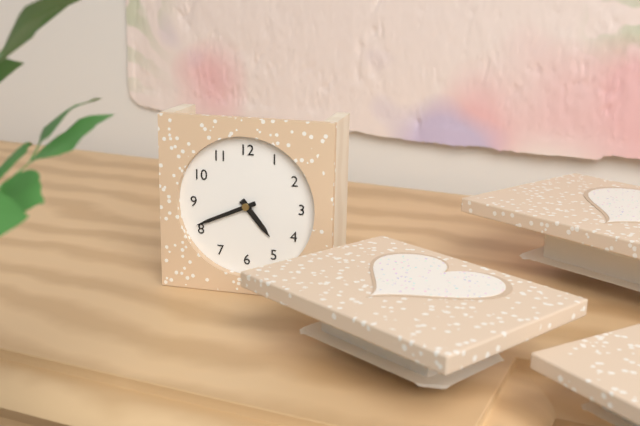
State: h=4 m=41
